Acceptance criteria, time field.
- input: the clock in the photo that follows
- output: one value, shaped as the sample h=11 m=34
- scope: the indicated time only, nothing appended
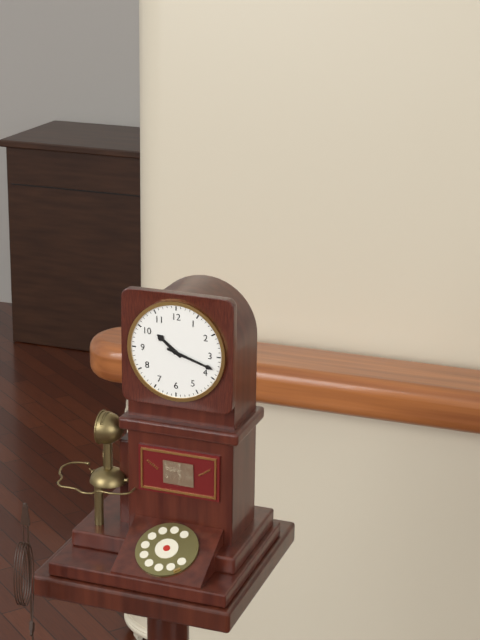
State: h=10 m=18
